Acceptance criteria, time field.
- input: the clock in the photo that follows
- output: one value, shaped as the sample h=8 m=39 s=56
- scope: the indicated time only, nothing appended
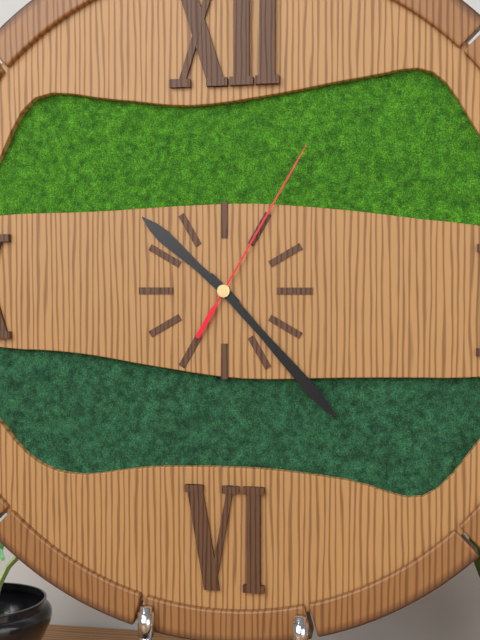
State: h=10 m=23 s=5
